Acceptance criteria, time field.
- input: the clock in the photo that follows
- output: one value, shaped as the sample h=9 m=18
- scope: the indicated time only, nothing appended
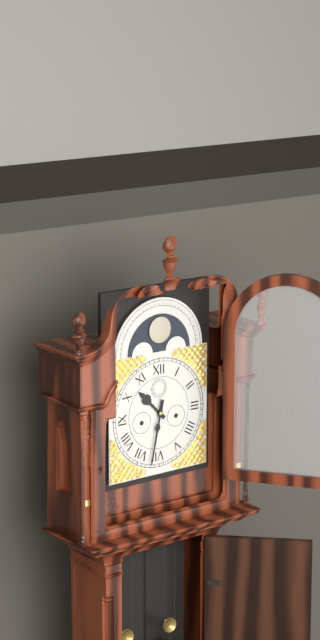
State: h=10 m=32
